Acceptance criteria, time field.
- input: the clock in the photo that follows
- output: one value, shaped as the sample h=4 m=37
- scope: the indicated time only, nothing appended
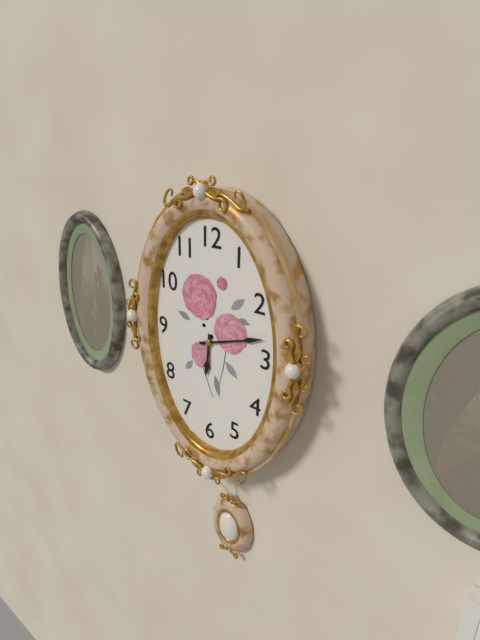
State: h=6 m=12
